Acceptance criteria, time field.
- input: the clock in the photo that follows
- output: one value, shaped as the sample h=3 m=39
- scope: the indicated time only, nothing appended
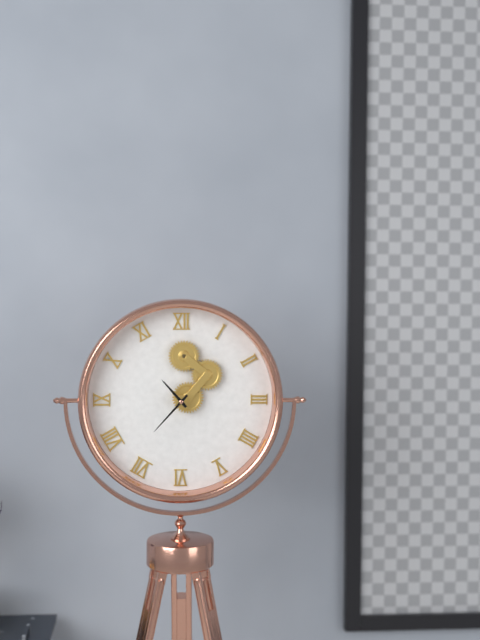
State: h=10 m=37
